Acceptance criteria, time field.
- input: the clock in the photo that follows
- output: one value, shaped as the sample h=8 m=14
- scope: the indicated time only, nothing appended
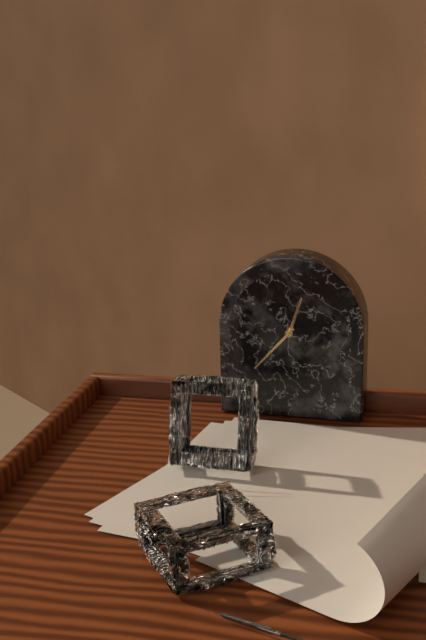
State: h=12 m=37
